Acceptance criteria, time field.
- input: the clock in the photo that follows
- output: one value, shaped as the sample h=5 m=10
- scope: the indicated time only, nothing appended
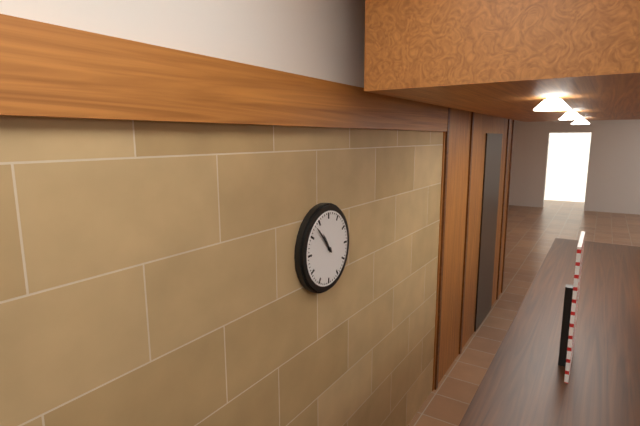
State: h=10 m=53
